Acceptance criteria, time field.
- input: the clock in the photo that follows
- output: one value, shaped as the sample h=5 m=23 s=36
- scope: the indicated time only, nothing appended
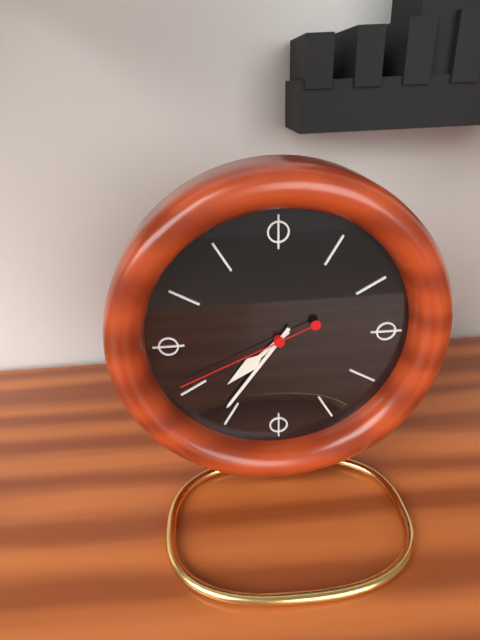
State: h=7 m=36 s=41
